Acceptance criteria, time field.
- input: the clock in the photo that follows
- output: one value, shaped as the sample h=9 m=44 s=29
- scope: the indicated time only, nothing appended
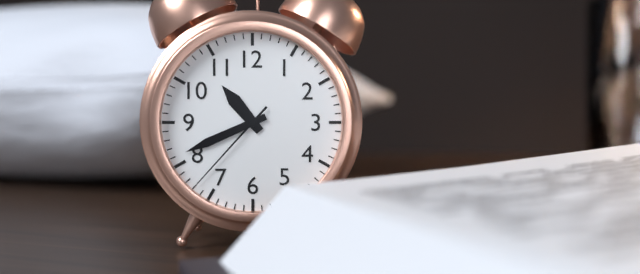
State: h=10 m=41 s=37
